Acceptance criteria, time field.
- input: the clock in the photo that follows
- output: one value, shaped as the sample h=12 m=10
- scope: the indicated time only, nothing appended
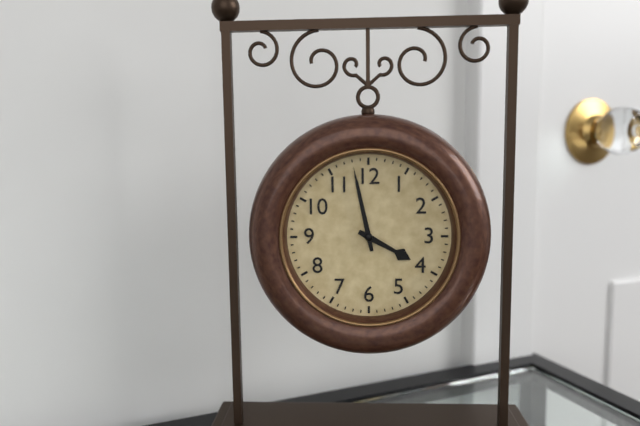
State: h=3 m=58
